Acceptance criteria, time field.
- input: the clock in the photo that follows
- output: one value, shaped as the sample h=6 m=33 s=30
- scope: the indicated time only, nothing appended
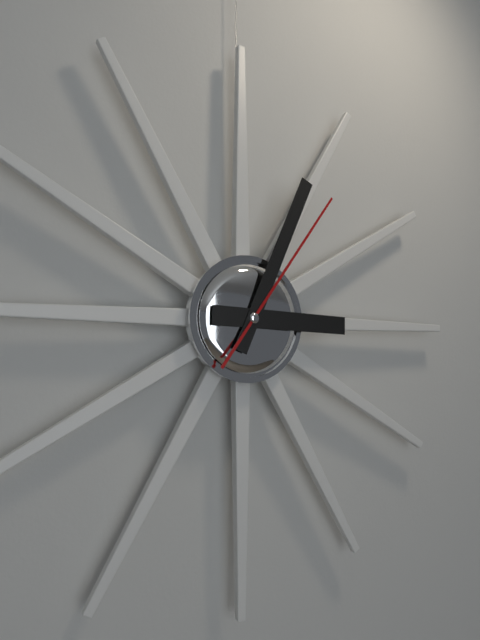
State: h=3 m=4 s=6
